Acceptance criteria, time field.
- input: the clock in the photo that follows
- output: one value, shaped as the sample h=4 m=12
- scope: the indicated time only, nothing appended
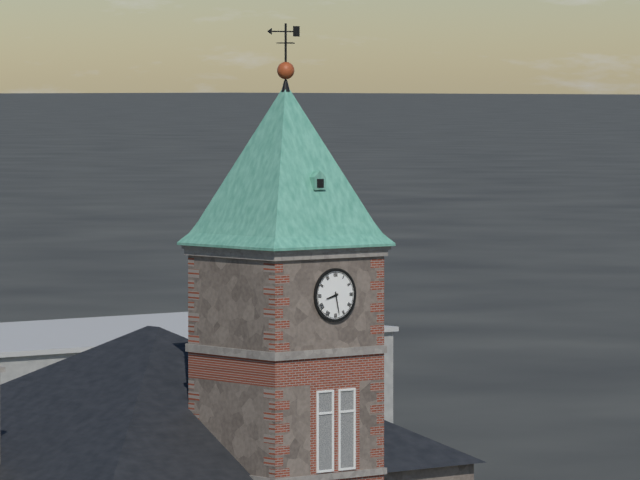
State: h=8 m=28
